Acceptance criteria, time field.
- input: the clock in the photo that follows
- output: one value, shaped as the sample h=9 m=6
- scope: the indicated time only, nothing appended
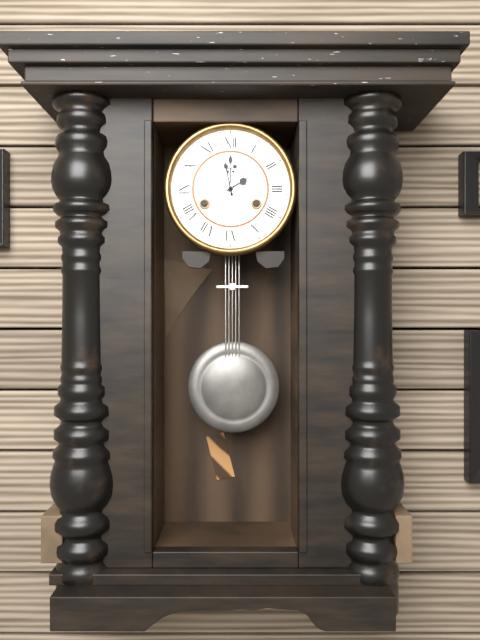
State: h=1 m=58
